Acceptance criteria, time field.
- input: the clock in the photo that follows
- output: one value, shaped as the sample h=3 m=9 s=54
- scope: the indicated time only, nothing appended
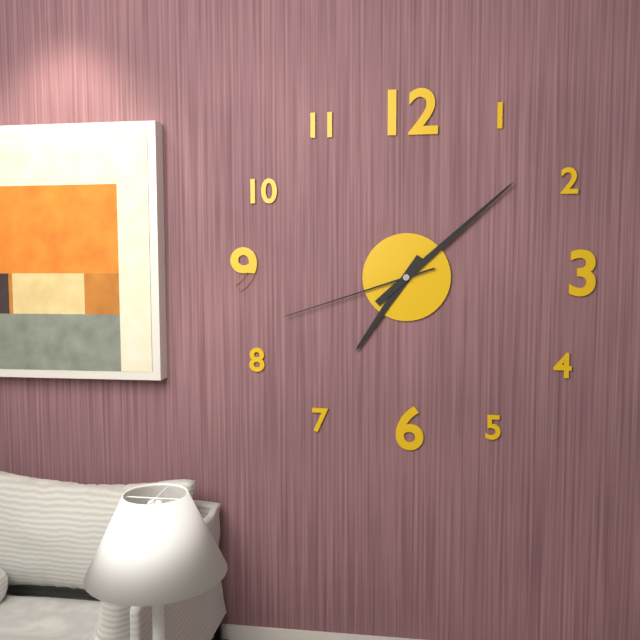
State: h=7 m=8 s=42
